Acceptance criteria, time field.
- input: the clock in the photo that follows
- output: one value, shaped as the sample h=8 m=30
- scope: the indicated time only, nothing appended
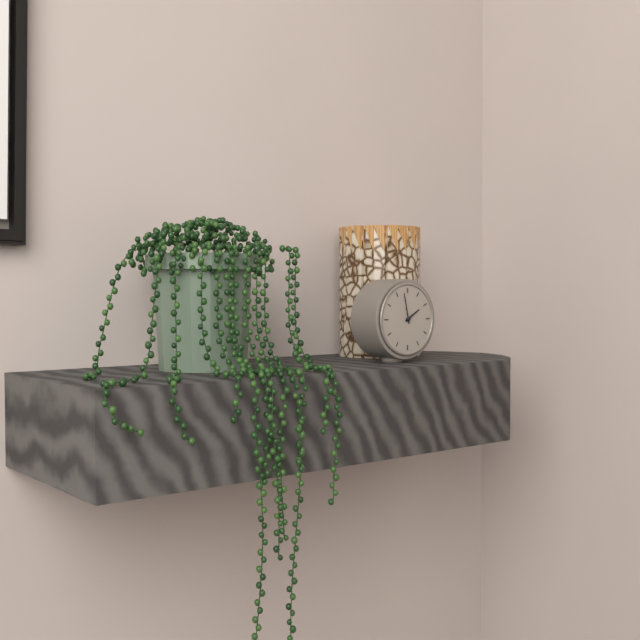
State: h=1 m=58
